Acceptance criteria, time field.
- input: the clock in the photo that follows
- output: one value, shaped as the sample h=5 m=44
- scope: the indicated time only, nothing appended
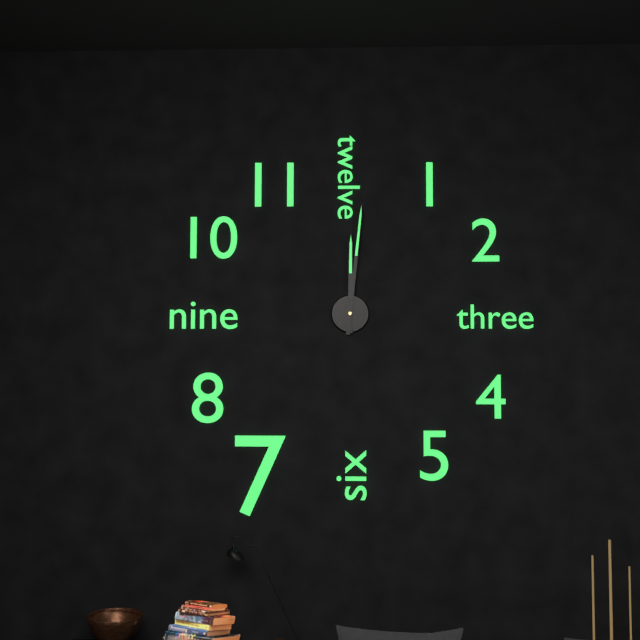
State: h=12 m=1
